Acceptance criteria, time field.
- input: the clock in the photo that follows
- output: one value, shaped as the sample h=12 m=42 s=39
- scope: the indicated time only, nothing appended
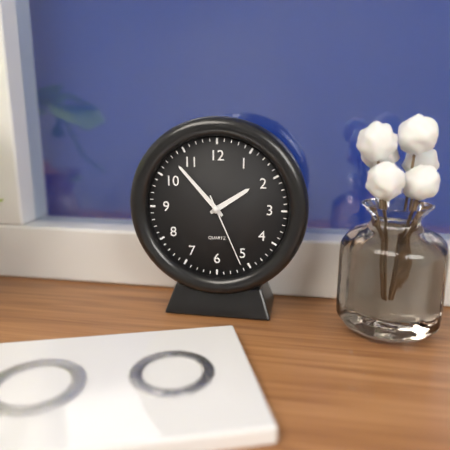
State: h=1 m=53 s=26
